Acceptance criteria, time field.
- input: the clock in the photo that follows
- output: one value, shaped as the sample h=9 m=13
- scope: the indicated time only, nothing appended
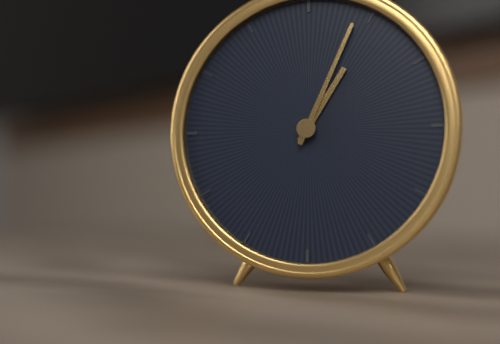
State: h=1 m=4
